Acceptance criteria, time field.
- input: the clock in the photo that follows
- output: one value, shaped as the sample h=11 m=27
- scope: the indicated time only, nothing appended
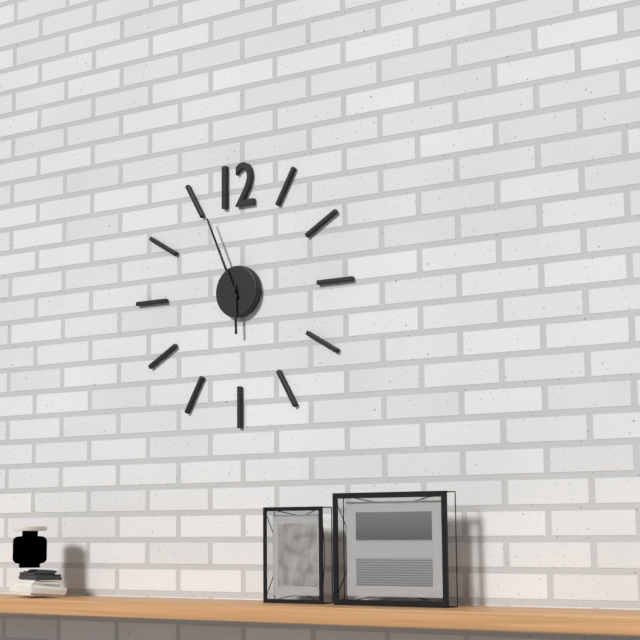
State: h=5 m=56
